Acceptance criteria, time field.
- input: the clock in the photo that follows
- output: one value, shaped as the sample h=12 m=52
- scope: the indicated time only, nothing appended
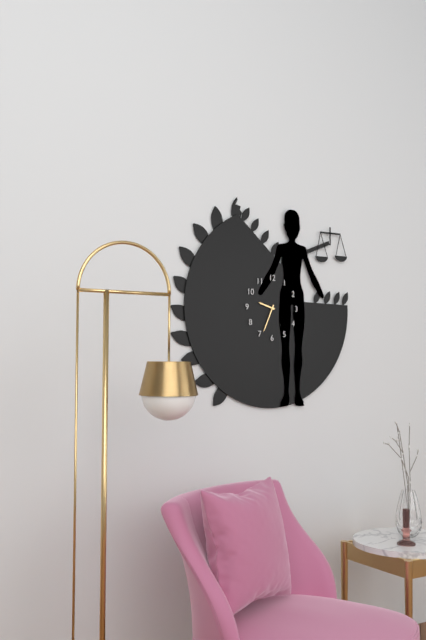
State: h=9 m=34
